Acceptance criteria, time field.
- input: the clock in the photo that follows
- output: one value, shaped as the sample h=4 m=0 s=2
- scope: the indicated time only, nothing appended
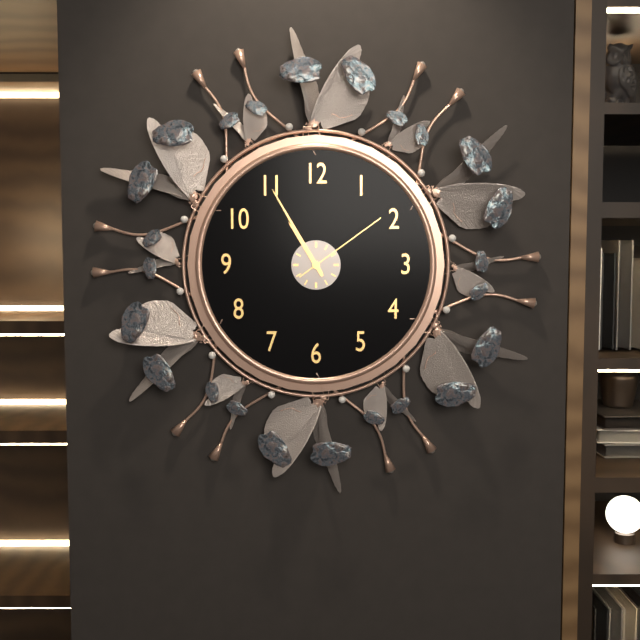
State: h=10 m=55 s=9
